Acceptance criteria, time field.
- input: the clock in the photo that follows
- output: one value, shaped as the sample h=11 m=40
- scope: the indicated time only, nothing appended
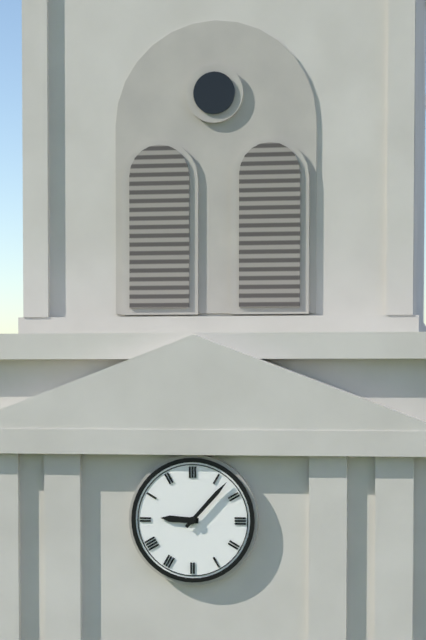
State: h=9 m=7
